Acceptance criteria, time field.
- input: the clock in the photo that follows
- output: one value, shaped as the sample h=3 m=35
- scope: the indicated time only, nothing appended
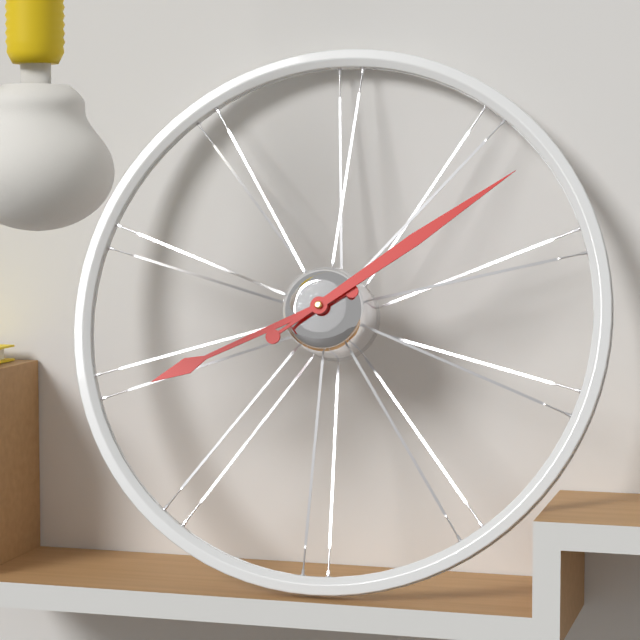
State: h=8 m=9
